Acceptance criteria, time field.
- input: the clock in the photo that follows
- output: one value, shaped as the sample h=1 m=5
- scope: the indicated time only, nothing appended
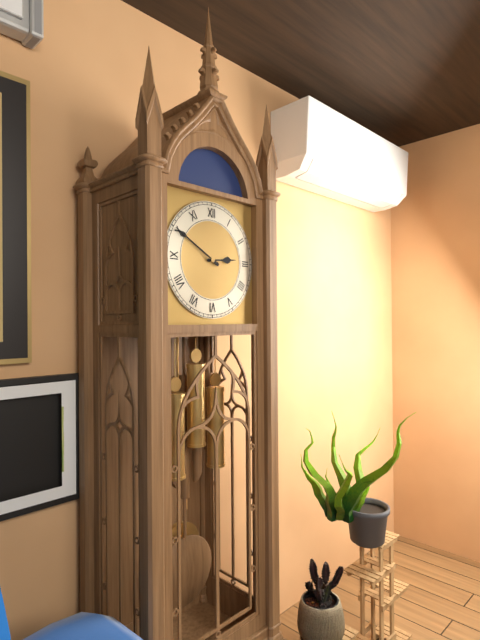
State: h=2 m=50
